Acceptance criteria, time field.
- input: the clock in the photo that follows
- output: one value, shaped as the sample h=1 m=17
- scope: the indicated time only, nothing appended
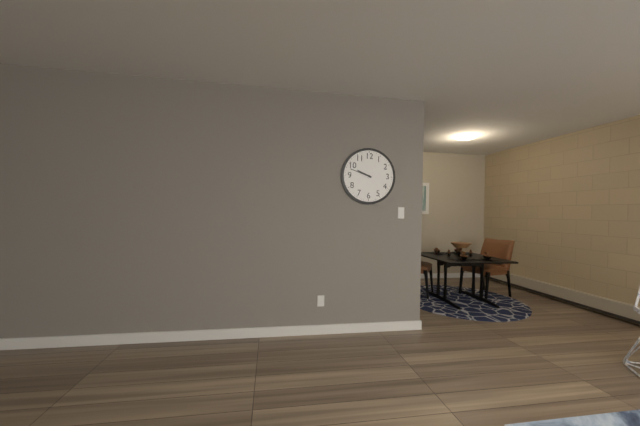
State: h=9 m=48
